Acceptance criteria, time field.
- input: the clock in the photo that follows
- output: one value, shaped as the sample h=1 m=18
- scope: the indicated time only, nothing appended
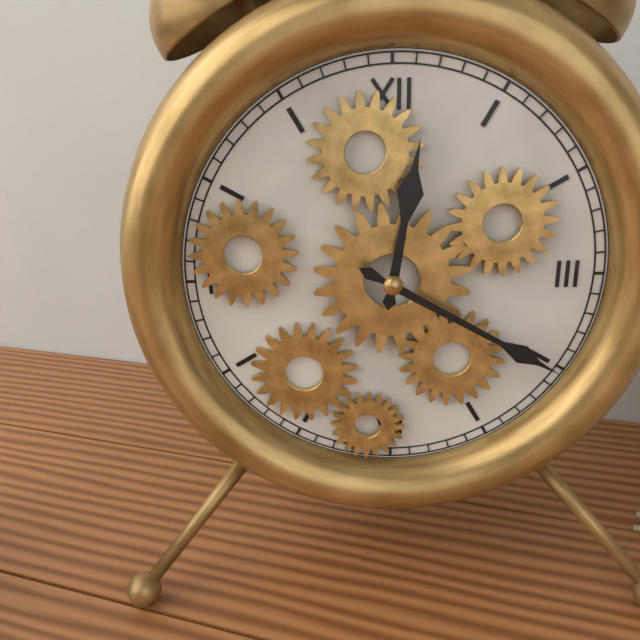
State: h=12 m=20
